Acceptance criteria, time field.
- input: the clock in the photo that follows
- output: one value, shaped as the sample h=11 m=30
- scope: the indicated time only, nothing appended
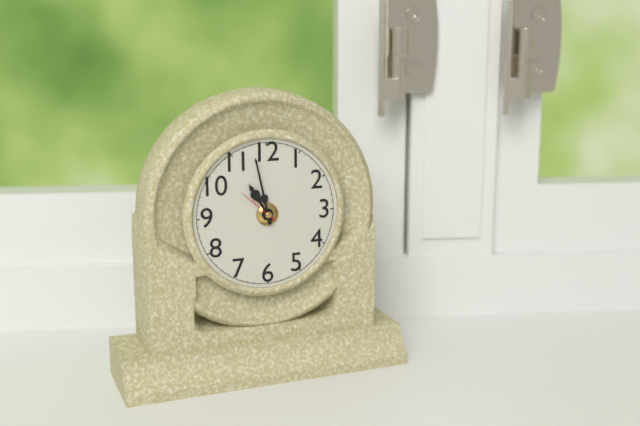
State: h=10 m=58
